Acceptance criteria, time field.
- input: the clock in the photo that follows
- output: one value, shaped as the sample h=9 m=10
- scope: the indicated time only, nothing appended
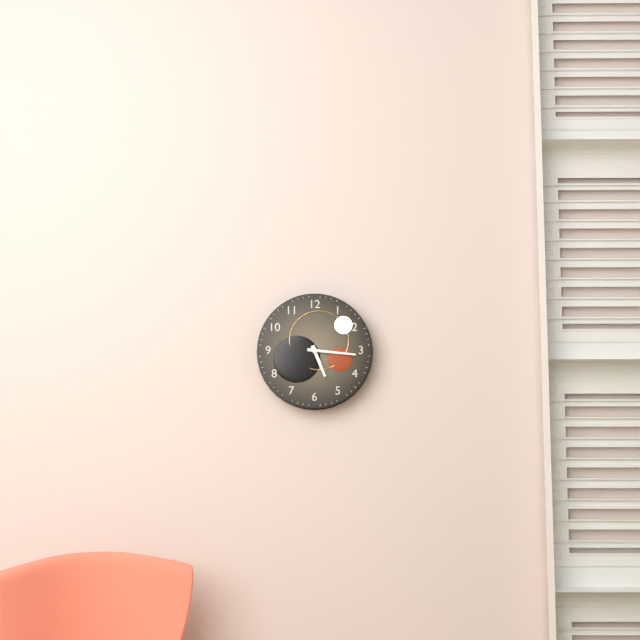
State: h=5 m=16
